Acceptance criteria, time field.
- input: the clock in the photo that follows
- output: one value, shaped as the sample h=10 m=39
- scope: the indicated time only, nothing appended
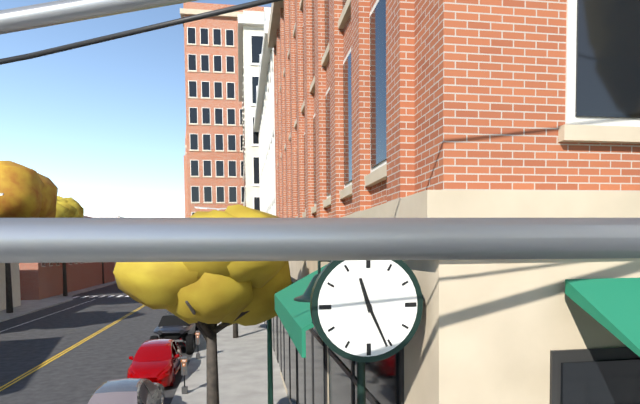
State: h=11 m=26
